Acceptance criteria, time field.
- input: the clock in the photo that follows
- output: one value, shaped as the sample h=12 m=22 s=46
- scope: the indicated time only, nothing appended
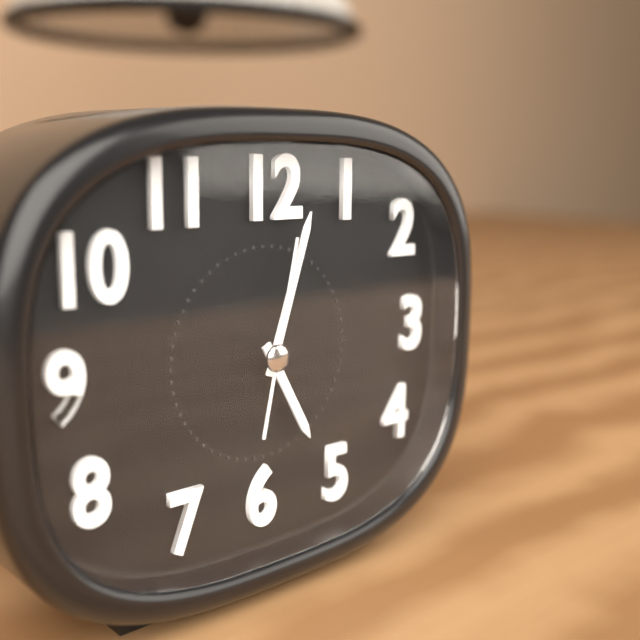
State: h=5 m=3 s=2
